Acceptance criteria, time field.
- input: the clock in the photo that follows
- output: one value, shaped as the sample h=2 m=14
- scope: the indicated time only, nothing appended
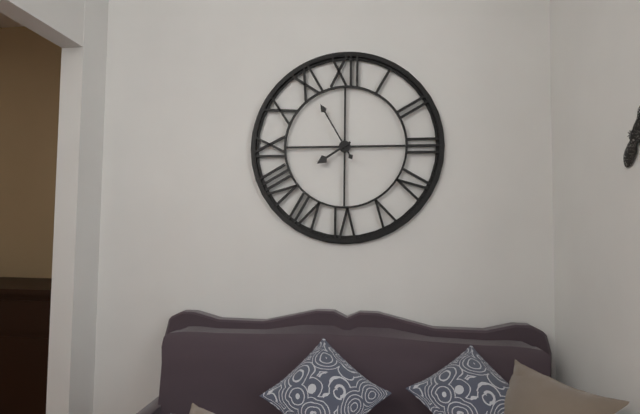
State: h=7 m=55
